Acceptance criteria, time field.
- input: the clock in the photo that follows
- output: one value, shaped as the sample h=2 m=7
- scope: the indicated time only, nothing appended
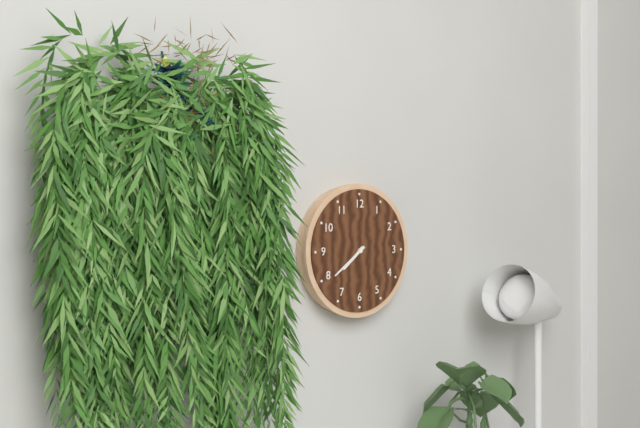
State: h=7 m=39
